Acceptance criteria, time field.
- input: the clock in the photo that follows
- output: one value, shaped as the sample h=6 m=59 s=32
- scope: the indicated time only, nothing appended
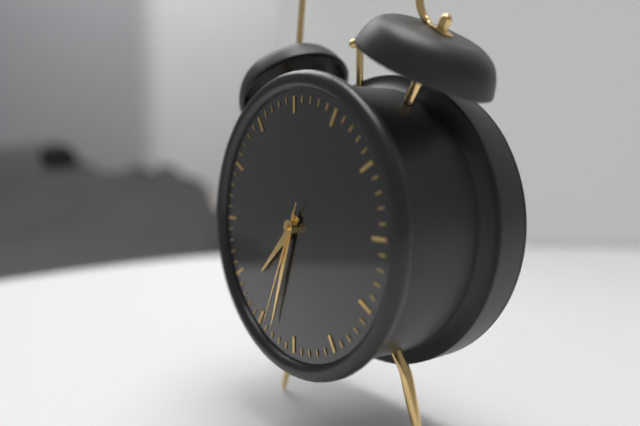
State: h=7 m=33 s=34
